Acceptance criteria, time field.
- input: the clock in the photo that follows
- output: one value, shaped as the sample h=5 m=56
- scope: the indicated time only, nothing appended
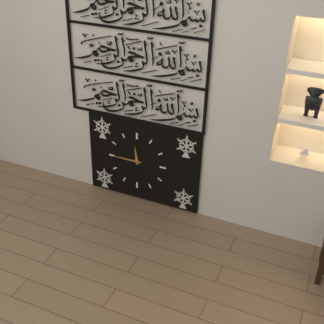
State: h=11 m=45
